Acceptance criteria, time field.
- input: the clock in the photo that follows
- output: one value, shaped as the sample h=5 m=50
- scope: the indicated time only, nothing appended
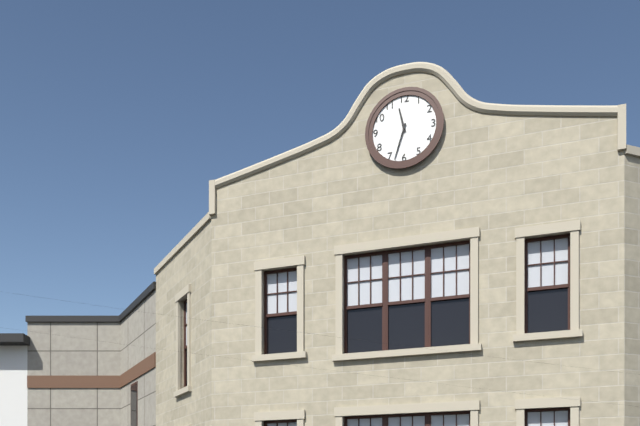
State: h=11 m=33
